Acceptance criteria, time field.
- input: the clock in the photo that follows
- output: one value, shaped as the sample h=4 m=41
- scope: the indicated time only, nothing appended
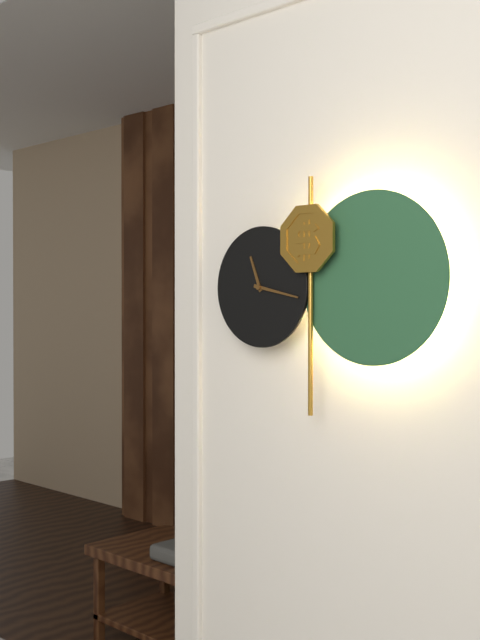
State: h=11 m=17
